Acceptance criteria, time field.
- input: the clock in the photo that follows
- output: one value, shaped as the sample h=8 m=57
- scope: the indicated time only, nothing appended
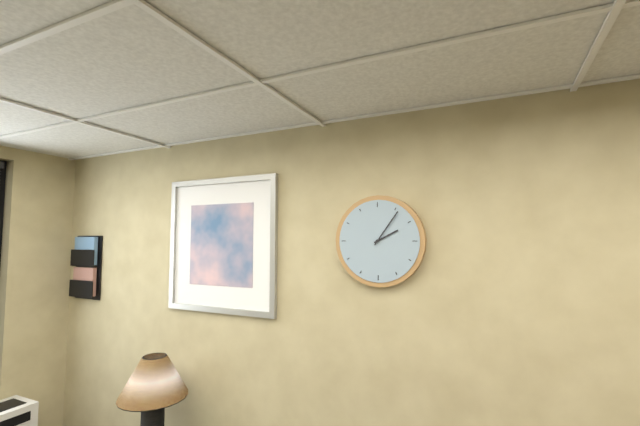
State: h=2 m=6
